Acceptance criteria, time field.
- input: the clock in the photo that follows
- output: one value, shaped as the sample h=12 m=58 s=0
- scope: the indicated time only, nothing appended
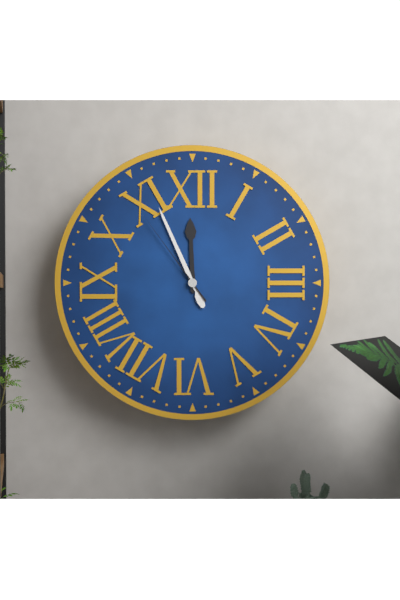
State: h=11 m=56 s=54
